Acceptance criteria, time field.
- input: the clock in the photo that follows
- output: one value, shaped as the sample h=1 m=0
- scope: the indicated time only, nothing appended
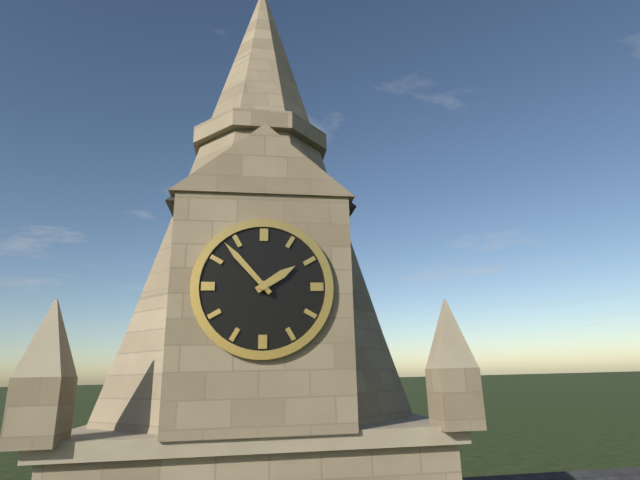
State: h=1 m=53
